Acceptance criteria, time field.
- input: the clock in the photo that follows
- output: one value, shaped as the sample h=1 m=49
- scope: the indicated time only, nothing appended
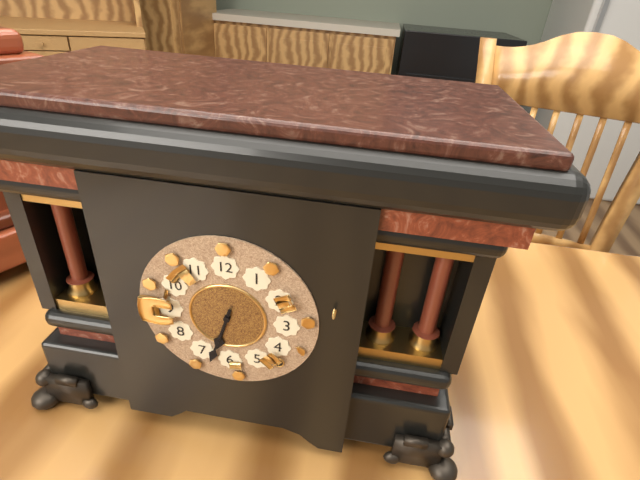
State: h=6 m=33
